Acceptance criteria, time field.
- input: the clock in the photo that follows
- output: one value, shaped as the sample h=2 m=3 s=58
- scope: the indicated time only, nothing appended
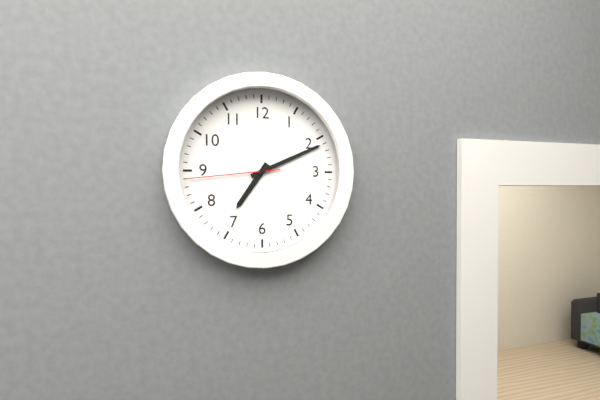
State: h=7 m=11 s=44
